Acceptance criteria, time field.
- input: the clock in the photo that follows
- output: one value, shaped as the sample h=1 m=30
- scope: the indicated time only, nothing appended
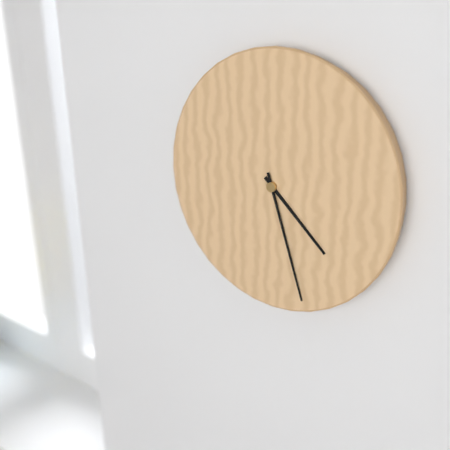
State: h=4 m=27
